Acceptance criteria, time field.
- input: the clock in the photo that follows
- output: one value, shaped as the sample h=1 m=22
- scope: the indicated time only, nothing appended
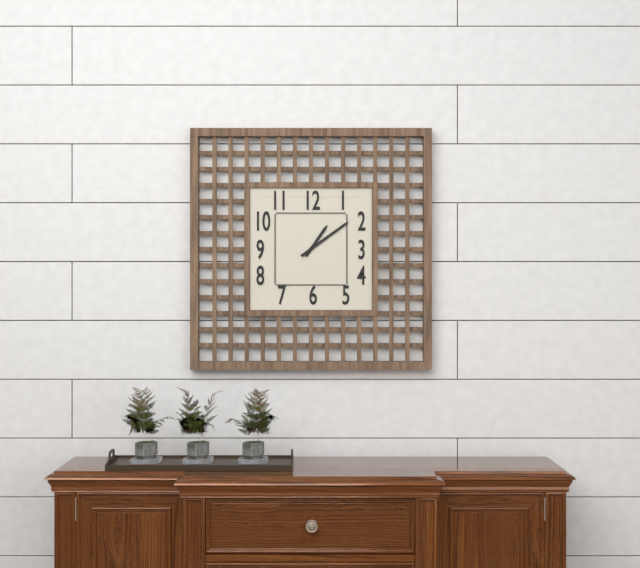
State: h=1 m=9
